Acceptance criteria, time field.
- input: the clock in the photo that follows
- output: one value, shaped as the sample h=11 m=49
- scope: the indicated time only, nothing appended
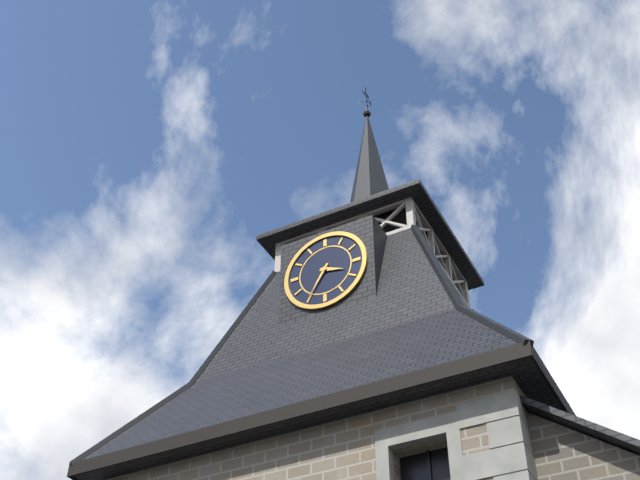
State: h=3 m=35
